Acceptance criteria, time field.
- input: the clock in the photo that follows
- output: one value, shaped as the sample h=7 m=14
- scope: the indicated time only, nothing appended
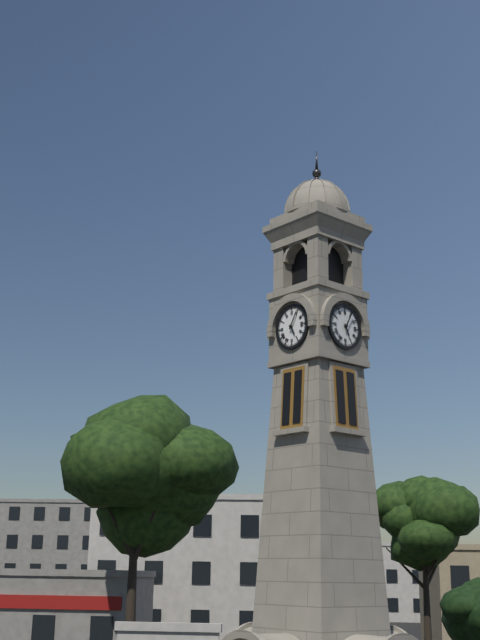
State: h=5 m=5
